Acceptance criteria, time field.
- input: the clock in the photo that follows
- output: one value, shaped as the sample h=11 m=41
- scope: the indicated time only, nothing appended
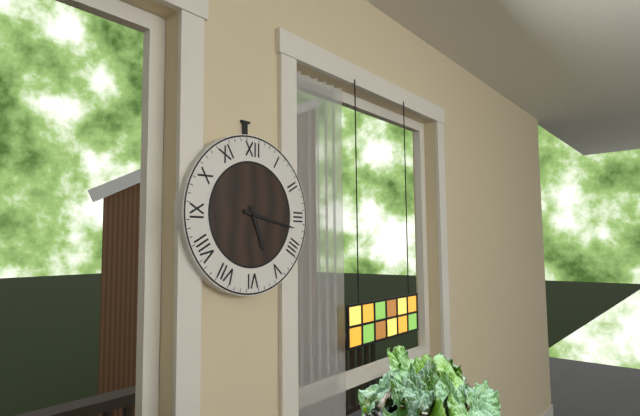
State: h=5 m=17
